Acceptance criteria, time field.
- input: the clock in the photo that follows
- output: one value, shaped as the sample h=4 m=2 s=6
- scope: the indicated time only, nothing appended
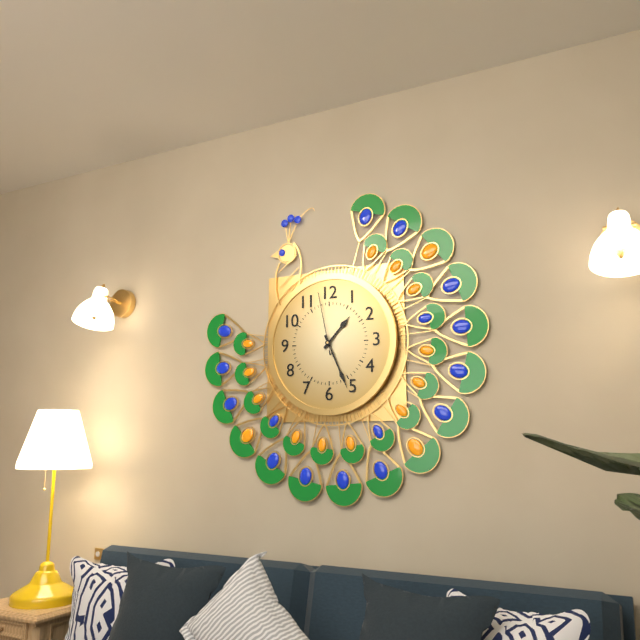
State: h=1 m=26 s=58
